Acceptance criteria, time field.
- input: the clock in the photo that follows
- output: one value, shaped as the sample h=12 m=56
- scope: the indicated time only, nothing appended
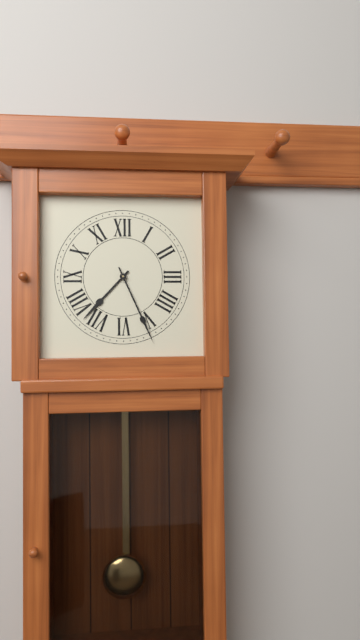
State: h=7 m=26
